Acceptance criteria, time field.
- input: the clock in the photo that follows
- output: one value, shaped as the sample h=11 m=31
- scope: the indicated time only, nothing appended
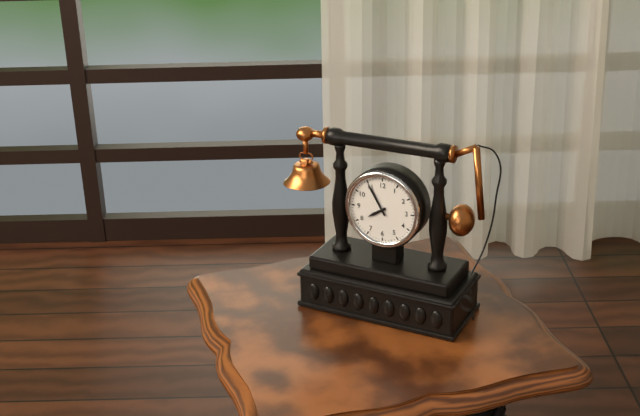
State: h=7 m=55
